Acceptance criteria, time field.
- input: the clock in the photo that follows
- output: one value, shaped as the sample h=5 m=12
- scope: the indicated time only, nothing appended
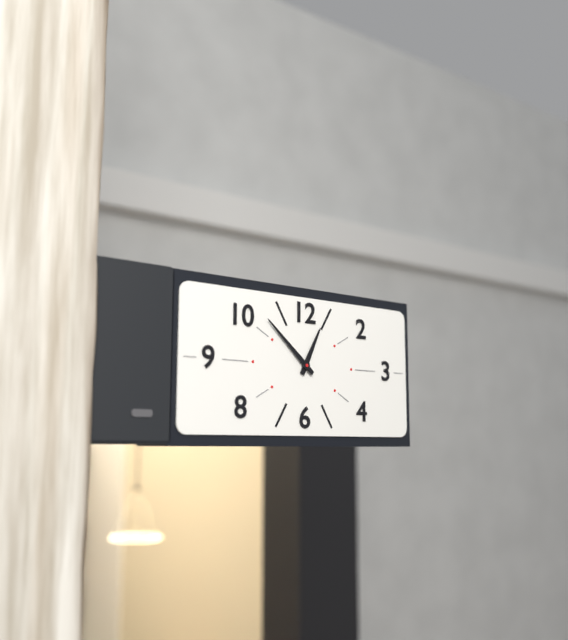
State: h=12 m=52
